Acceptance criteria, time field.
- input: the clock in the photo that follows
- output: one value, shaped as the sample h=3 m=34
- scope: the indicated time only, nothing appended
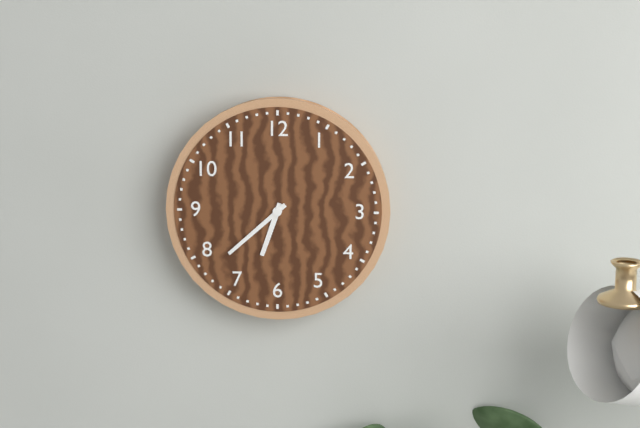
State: h=6 m=38
